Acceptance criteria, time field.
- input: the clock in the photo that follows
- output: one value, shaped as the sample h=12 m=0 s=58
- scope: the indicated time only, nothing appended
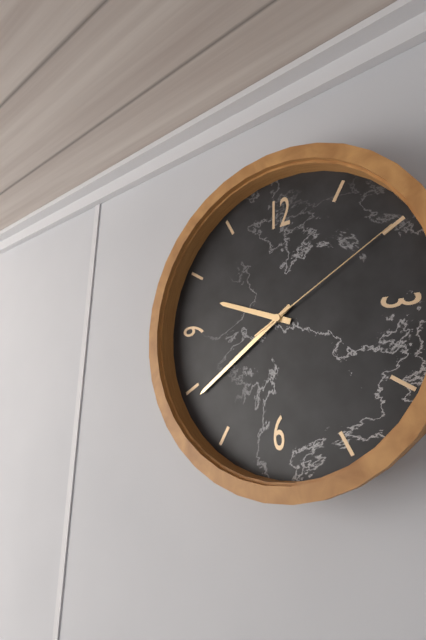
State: h=9 m=39 s=10
